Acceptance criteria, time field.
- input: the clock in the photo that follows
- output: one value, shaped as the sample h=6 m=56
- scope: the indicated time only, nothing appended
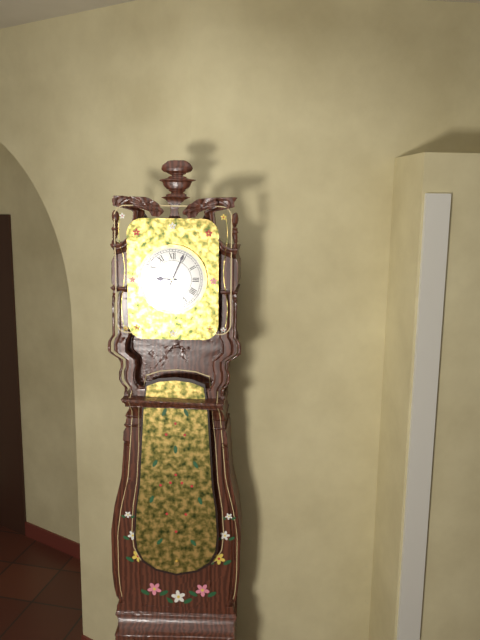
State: h=9 m=4
